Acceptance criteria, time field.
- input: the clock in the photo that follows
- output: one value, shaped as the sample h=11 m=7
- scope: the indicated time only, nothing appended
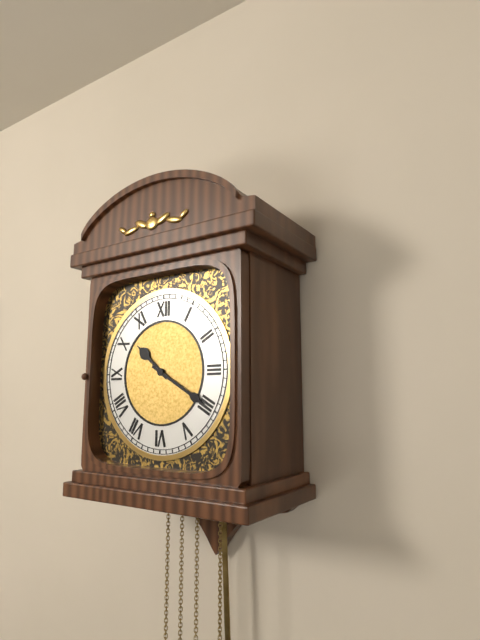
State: h=10 m=20
